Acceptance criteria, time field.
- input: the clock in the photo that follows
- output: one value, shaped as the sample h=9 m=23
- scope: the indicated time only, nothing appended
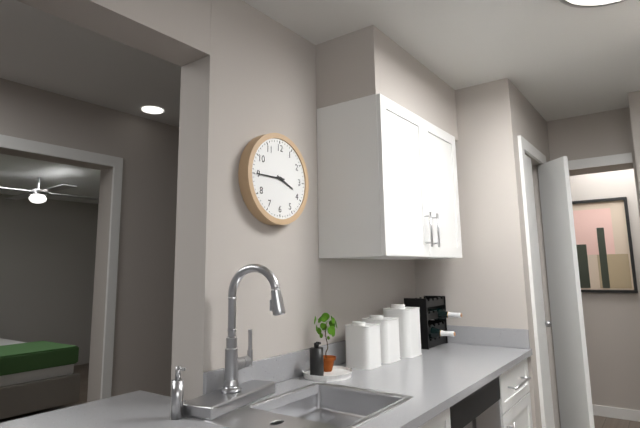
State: h=3 m=45
